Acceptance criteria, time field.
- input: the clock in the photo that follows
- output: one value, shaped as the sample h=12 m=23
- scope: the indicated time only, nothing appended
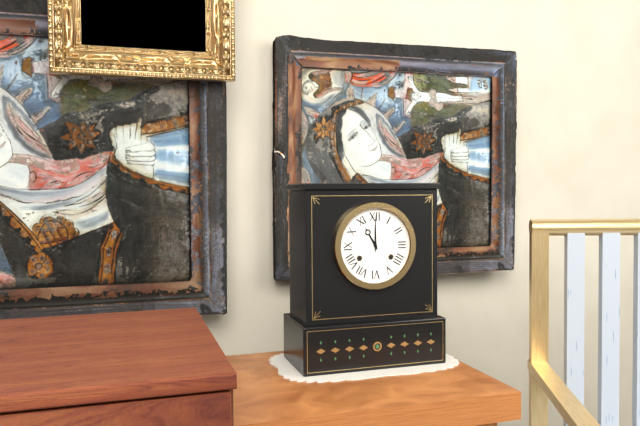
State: h=11 m=0
